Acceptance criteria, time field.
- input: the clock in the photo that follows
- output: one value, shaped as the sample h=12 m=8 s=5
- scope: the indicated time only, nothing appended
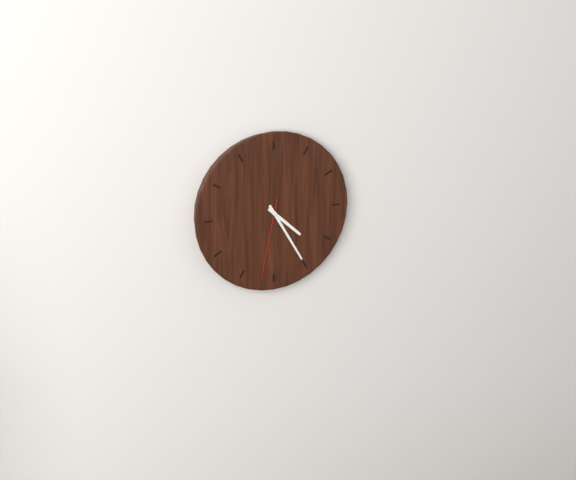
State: h=4 m=25 s=32
